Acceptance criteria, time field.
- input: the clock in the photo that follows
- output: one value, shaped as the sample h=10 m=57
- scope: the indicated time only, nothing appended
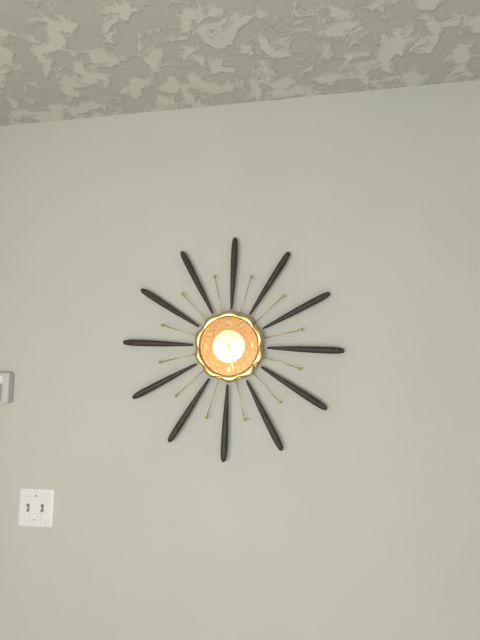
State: h=7 m=28
